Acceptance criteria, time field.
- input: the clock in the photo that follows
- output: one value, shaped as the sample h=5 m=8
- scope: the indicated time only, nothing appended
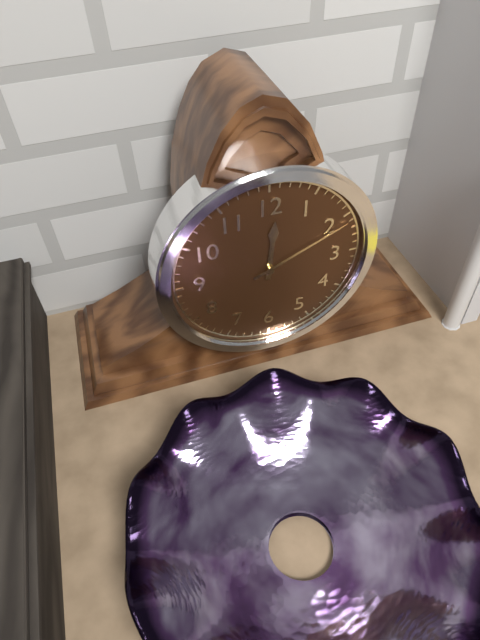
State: h=12 m=11
